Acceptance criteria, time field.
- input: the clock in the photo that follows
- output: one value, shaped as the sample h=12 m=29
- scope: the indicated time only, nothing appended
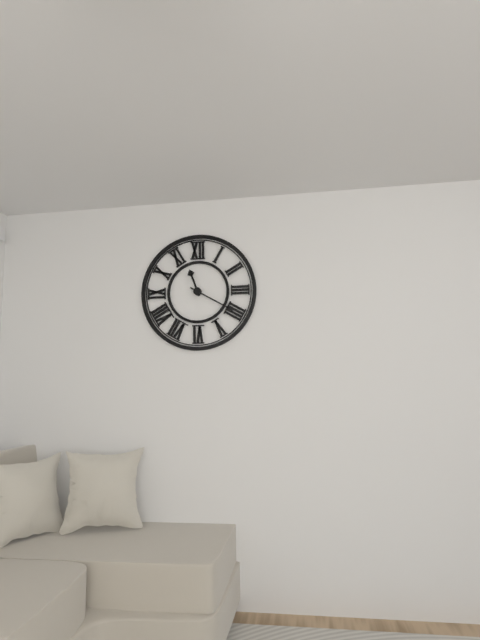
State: h=11 m=20
